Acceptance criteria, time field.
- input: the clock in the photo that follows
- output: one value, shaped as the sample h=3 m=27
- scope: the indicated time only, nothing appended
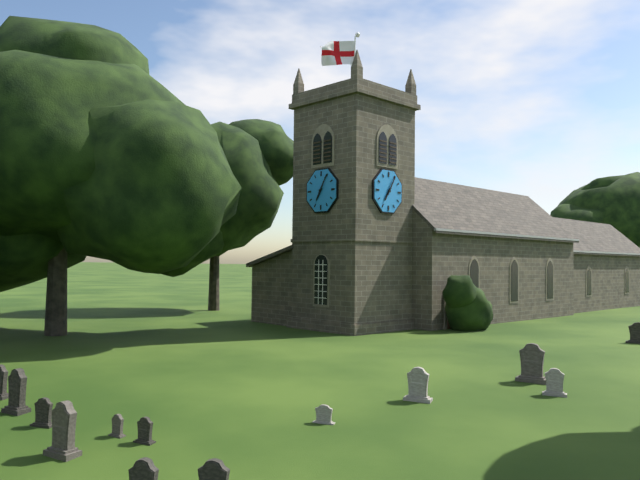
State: h=7 m=5
